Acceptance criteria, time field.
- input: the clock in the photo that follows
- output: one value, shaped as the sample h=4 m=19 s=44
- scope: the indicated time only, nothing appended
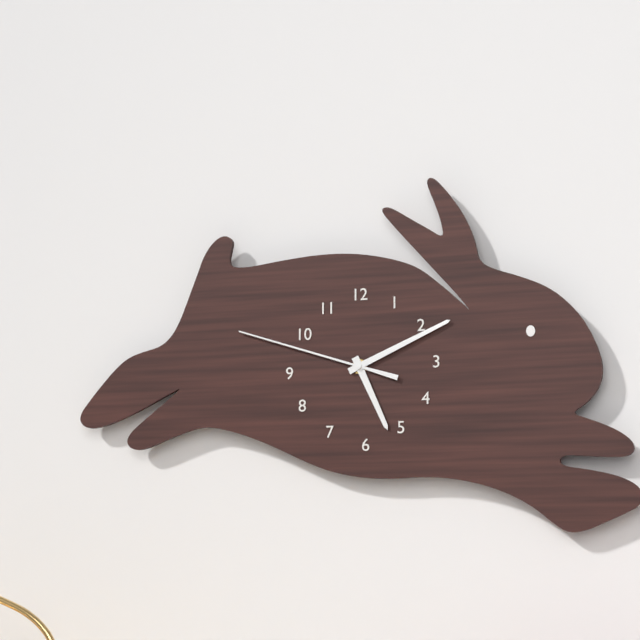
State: h=5 m=11 s=48
